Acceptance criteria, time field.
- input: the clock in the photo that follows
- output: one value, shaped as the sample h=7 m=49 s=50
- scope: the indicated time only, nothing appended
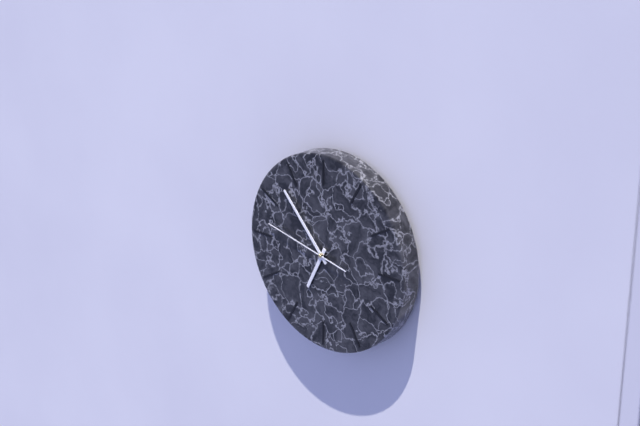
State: h=6 m=53 s=47
